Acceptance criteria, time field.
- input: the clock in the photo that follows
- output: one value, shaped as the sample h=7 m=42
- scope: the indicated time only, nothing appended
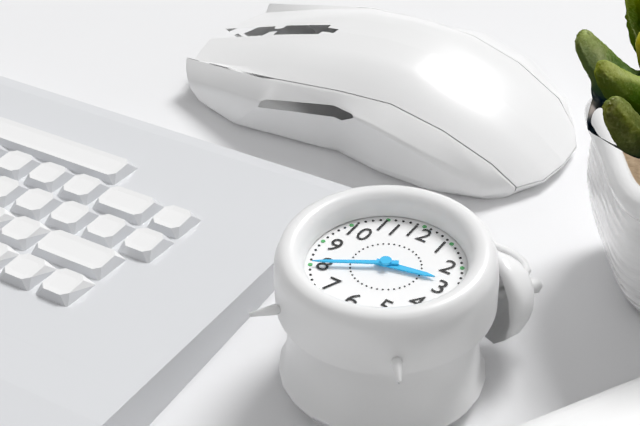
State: h=2 m=40
